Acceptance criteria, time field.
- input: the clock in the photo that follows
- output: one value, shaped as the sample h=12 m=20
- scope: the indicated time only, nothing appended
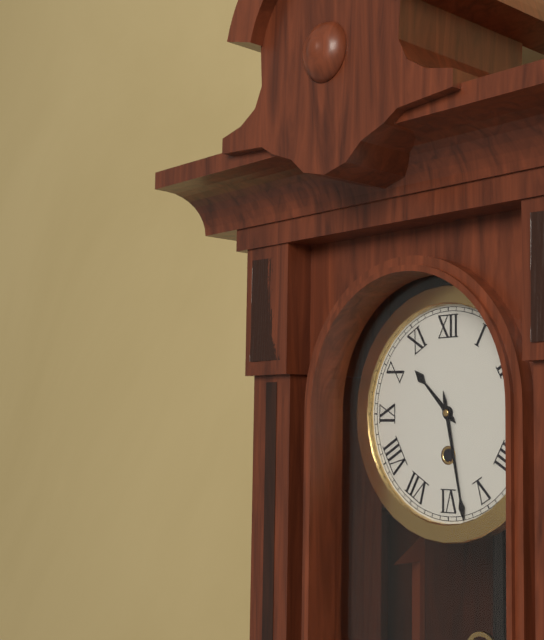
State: h=10 m=28
